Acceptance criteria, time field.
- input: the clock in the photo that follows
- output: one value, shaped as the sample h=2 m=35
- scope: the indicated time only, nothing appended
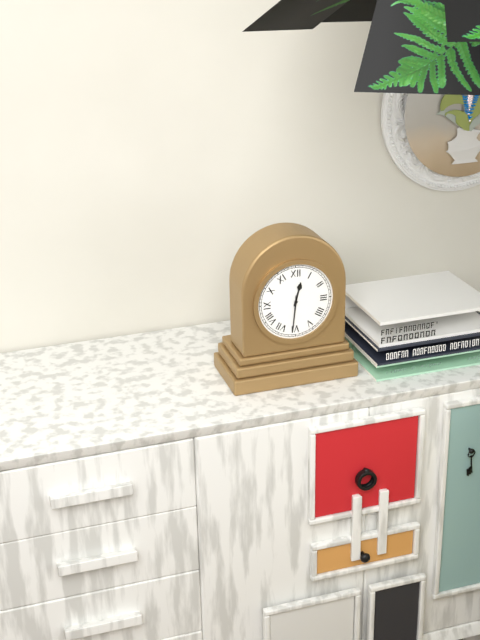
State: h=12 m=31
